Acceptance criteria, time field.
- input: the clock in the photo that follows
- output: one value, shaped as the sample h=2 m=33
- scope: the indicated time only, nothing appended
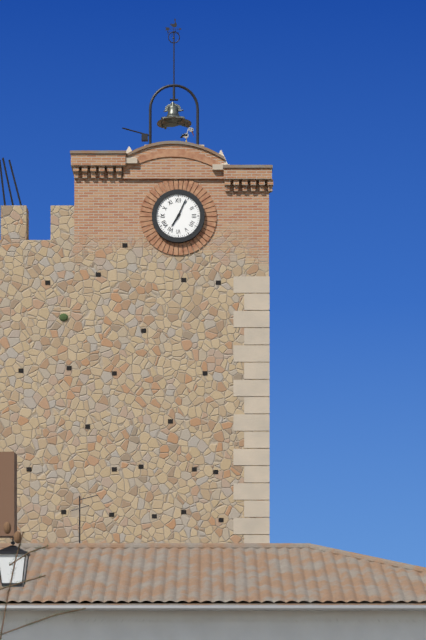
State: h=7 m=4
